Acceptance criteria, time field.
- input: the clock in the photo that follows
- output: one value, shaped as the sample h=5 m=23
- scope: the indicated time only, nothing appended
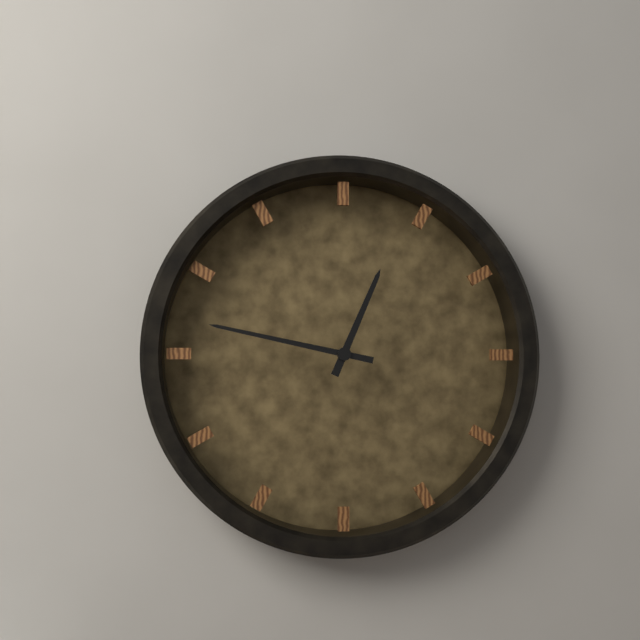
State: h=12 m=47
